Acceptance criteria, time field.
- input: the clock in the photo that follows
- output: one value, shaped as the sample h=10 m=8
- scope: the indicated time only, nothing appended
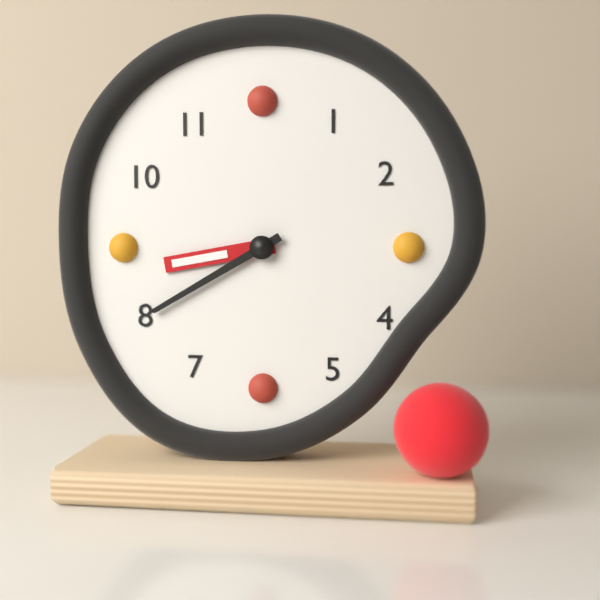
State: h=8 m=40
